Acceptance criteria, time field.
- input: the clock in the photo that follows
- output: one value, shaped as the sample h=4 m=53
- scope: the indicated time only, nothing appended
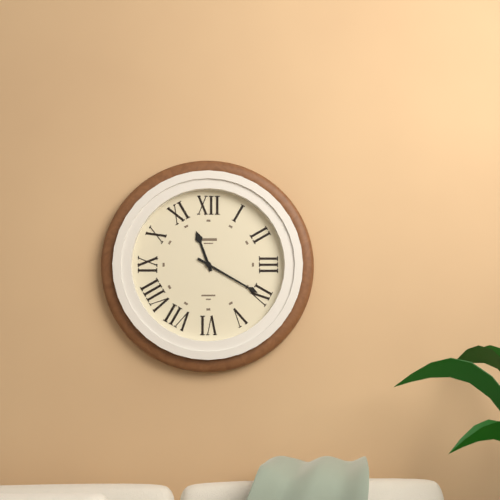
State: h=11 m=20
